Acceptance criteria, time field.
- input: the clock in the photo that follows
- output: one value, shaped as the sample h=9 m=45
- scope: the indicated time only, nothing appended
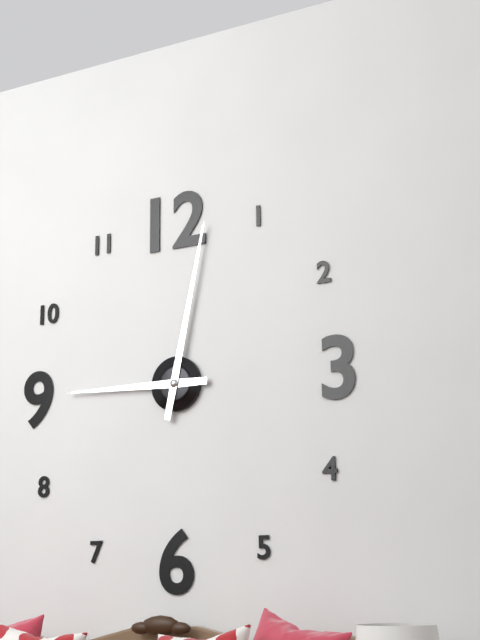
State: h=9 m=2
